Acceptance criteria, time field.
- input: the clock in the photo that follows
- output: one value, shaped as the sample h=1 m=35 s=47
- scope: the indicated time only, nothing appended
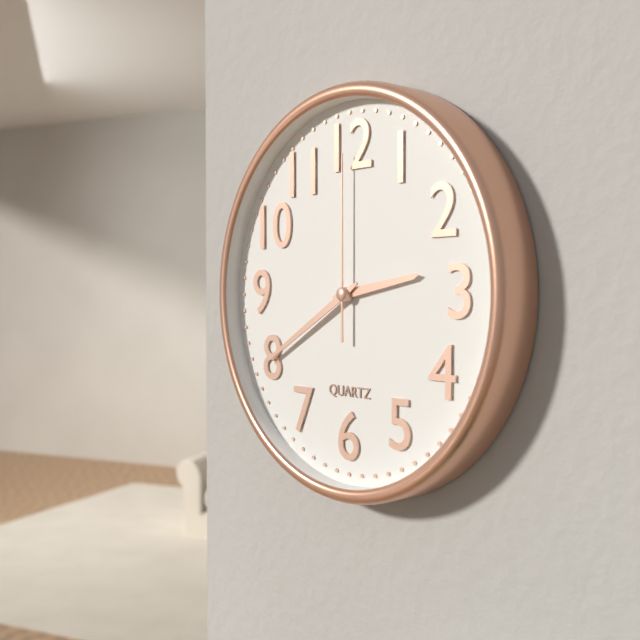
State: h=2 m=40 s=0
